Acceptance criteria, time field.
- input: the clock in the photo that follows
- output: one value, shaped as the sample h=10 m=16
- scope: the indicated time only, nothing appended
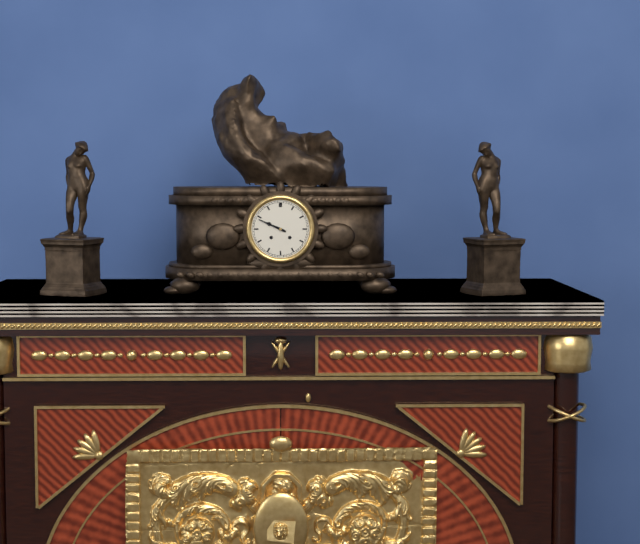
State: h=9 m=49
